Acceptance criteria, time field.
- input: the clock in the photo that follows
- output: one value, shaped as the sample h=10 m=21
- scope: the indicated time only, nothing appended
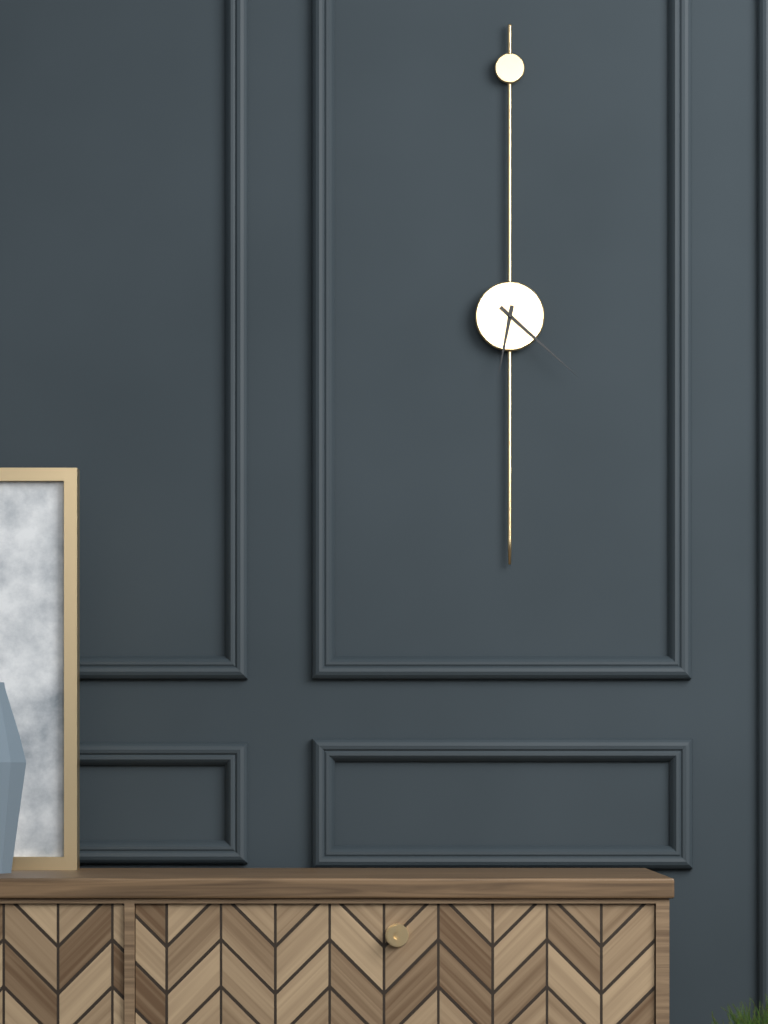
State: h=6 m=22
